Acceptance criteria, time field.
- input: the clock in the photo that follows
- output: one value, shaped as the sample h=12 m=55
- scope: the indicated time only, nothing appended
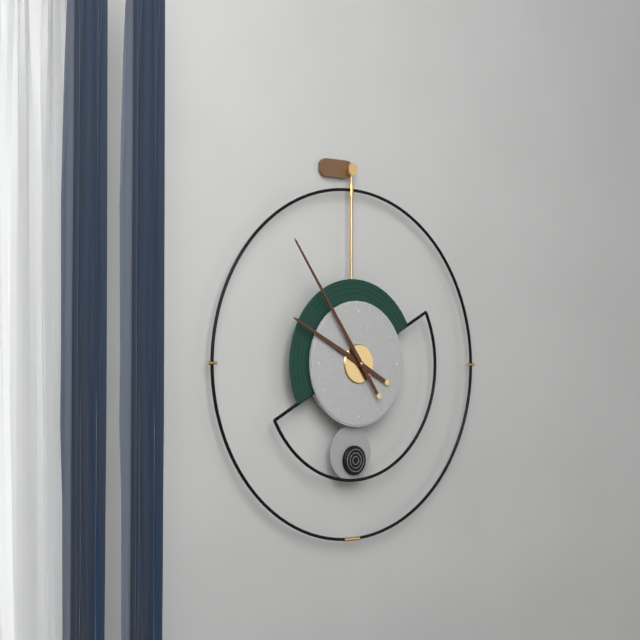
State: h=9 m=54
